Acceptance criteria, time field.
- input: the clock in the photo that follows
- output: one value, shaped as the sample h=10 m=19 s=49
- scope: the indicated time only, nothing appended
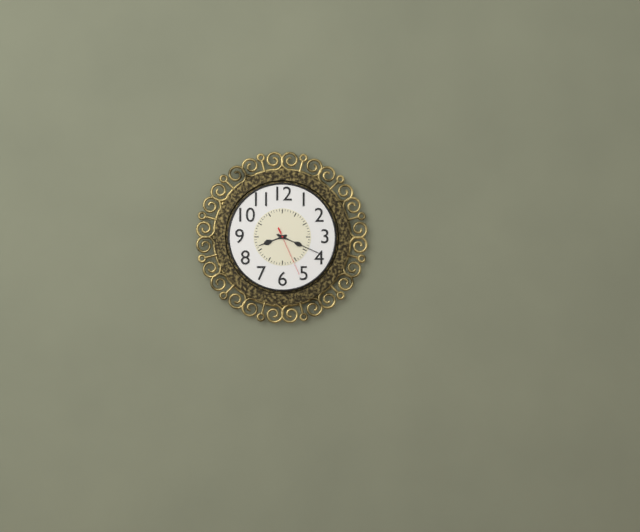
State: h=8 m=19 s=26
